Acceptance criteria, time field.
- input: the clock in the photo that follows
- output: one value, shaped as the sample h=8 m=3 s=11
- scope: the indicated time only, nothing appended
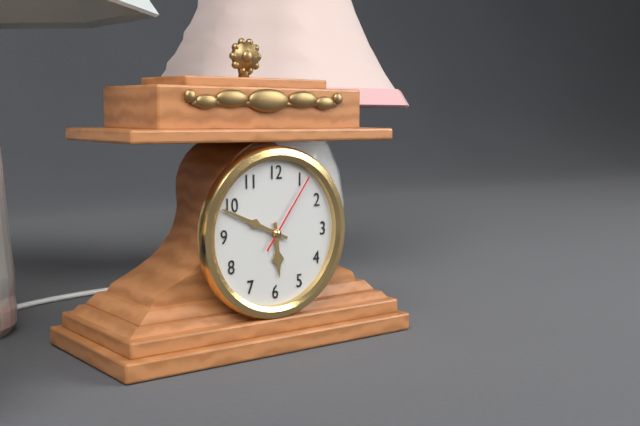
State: h=5 m=49 s=6
